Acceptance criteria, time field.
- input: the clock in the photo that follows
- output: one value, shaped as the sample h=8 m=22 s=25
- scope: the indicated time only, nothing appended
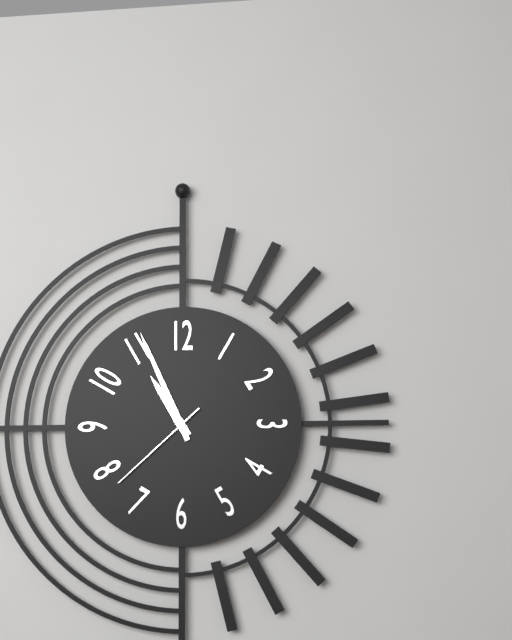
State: h=10 m=56 s=38
